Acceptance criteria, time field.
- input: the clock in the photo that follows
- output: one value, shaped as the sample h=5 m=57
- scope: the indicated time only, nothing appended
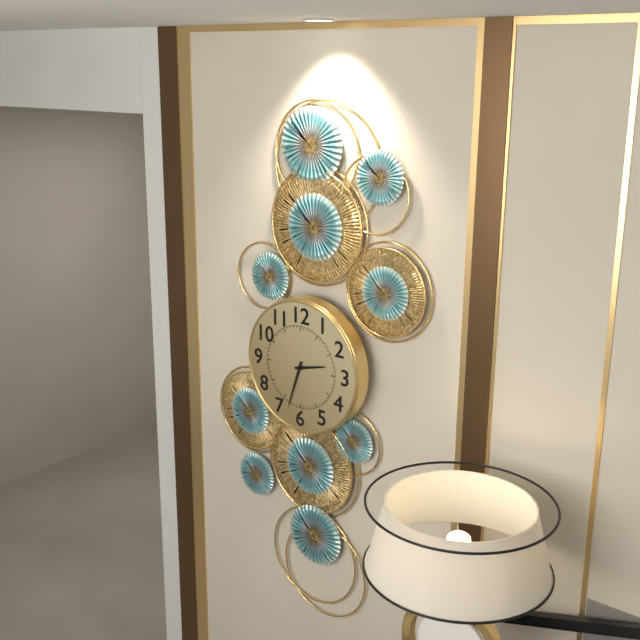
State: h=2 m=33
